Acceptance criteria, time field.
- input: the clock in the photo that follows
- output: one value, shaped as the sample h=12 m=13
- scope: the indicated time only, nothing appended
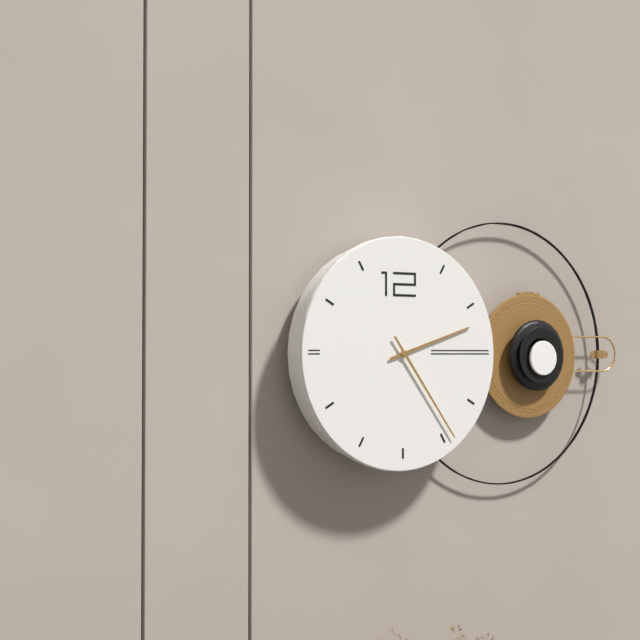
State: h=2 m=24
